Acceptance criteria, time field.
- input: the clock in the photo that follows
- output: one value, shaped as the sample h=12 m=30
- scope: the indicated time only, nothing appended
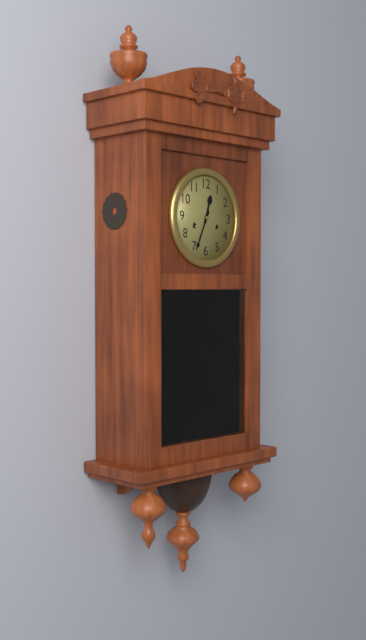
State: h=12 m=34
